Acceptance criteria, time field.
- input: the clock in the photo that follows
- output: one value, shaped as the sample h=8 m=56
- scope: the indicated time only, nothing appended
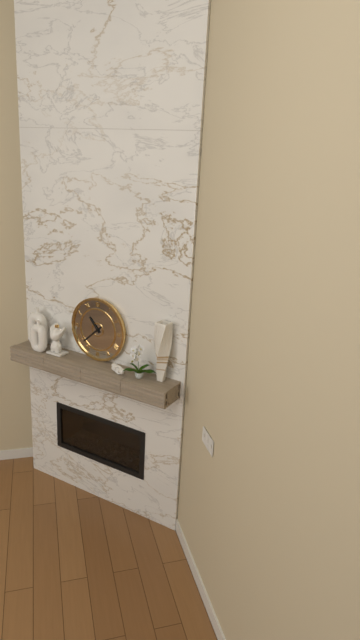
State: h=10 m=38
